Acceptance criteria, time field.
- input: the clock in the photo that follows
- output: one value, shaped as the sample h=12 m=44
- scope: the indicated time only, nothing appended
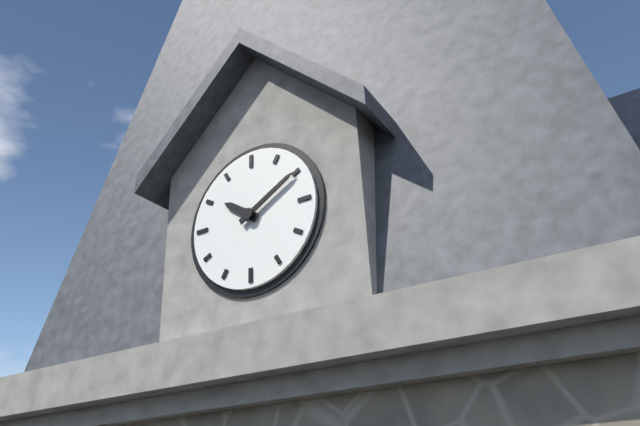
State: h=10 m=10
